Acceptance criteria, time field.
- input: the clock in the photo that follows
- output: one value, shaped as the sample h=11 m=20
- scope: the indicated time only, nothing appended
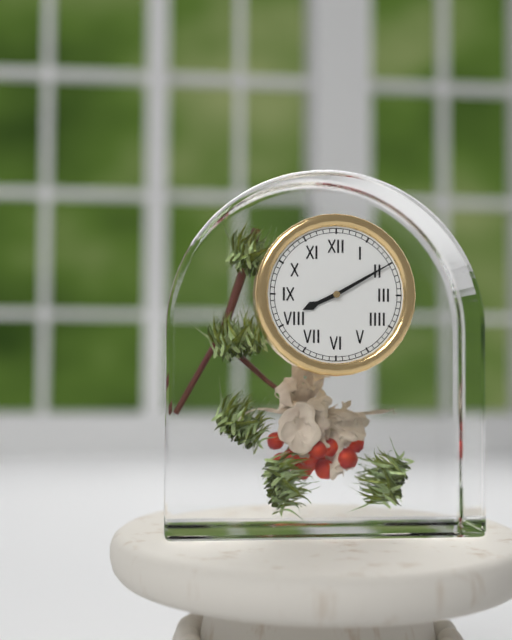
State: h=8 m=10
